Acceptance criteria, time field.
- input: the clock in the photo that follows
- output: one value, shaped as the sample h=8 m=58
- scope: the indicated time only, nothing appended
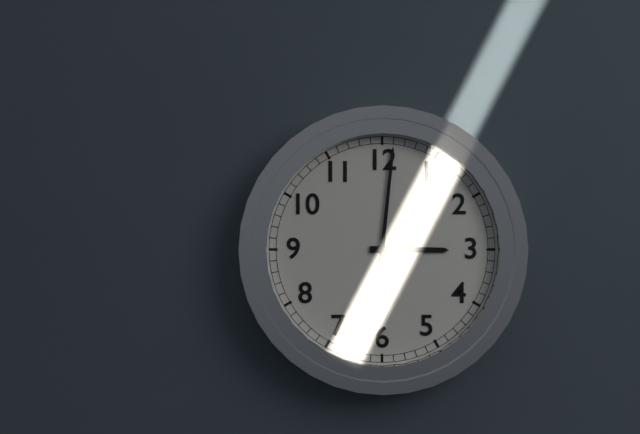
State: h=3 m=1
